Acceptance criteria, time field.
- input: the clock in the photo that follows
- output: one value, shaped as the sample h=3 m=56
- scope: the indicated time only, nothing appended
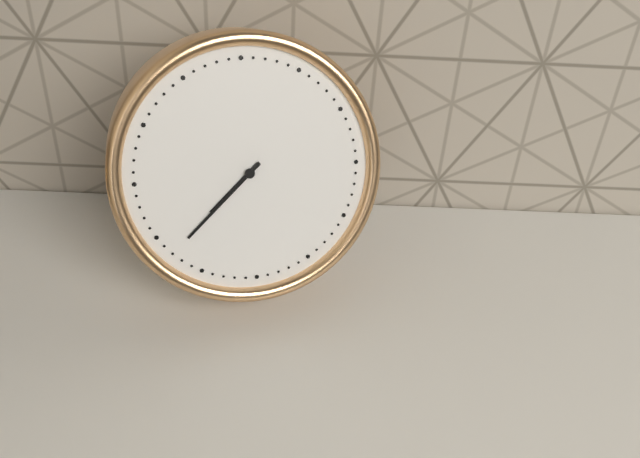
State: h=7 m=38
